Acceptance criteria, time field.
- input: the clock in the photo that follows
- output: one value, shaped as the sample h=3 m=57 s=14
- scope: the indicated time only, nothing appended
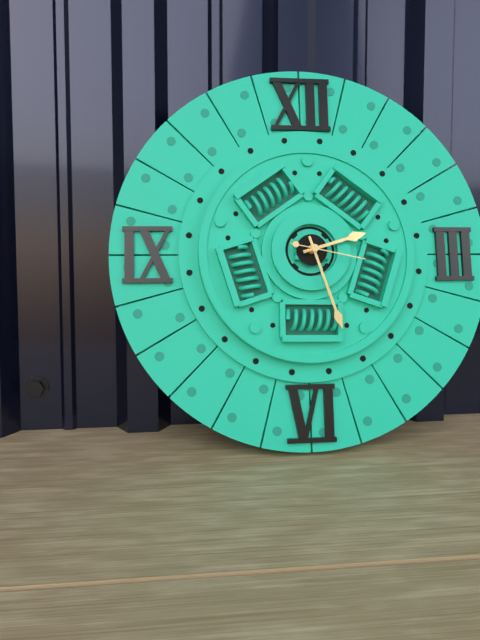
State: h=2 m=27 s=17
